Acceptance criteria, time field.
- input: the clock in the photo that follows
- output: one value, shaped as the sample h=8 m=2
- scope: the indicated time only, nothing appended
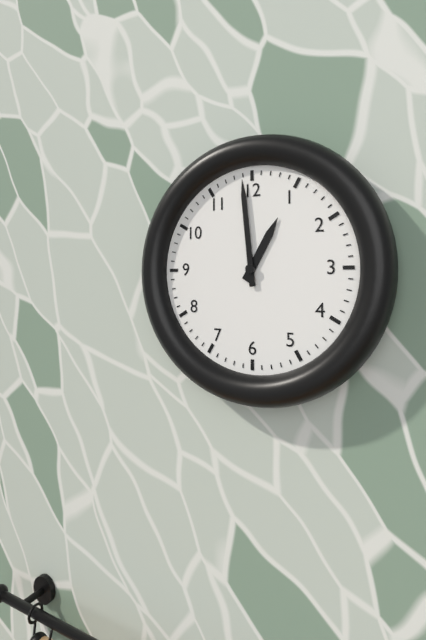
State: h=12 m=59
